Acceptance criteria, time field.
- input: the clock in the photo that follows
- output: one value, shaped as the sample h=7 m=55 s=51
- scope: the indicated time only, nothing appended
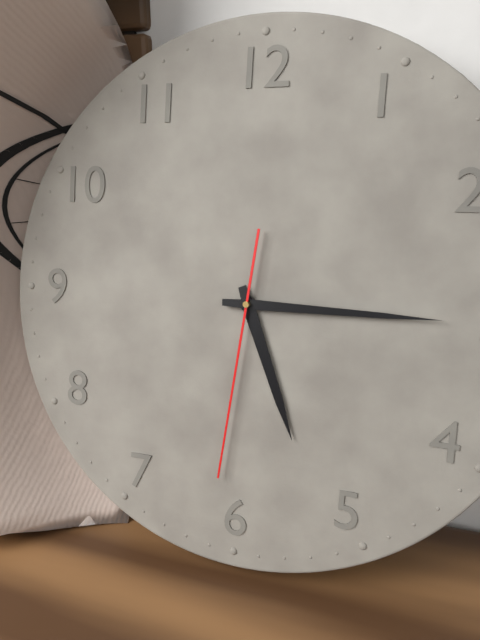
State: h=5 m=15 s=31
